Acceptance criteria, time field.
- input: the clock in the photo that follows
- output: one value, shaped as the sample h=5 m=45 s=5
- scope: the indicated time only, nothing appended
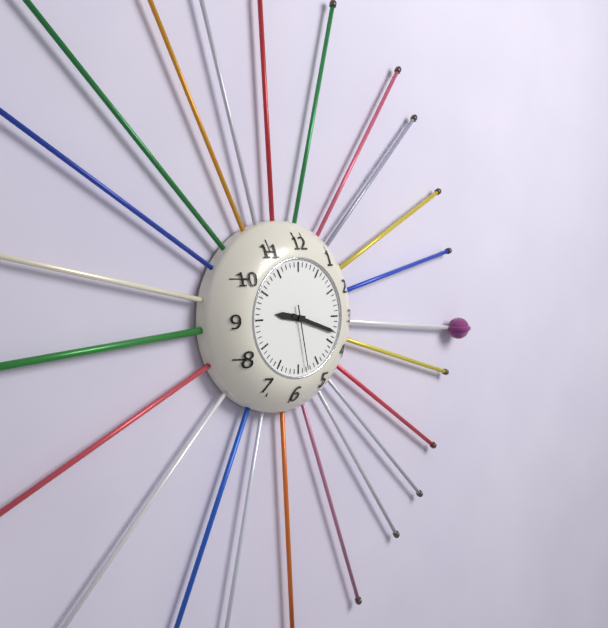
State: h=9 m=18 s=28
